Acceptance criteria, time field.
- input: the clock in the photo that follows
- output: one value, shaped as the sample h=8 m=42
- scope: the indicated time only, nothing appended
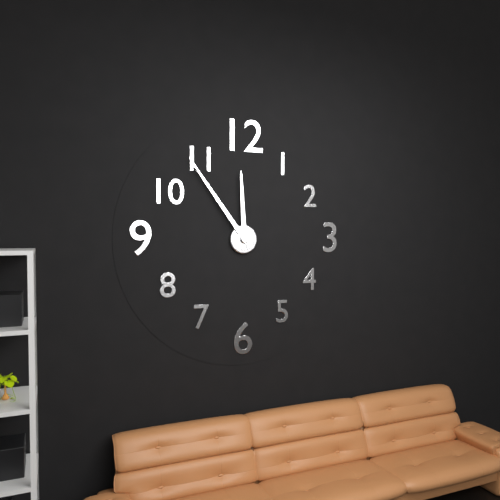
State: h=11 m=54
